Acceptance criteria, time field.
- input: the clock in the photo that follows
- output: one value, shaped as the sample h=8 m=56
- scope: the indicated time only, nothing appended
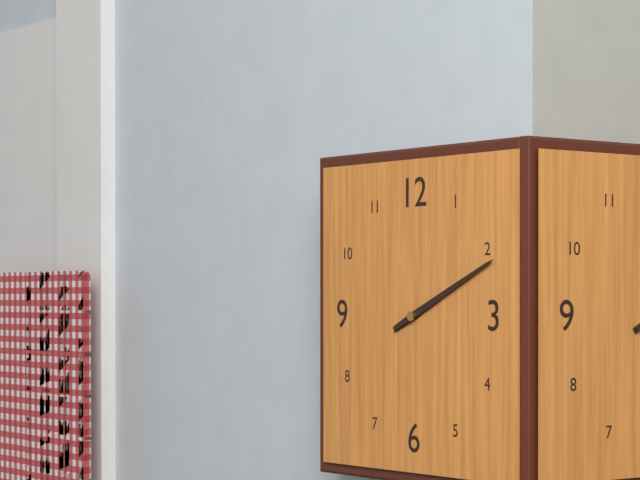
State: h=2 m=11
